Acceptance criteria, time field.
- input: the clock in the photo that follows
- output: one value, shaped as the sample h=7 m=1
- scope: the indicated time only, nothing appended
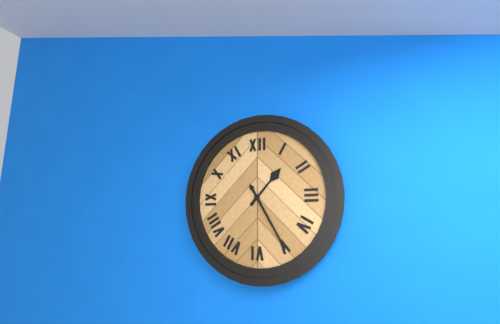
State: h=1 m=25
